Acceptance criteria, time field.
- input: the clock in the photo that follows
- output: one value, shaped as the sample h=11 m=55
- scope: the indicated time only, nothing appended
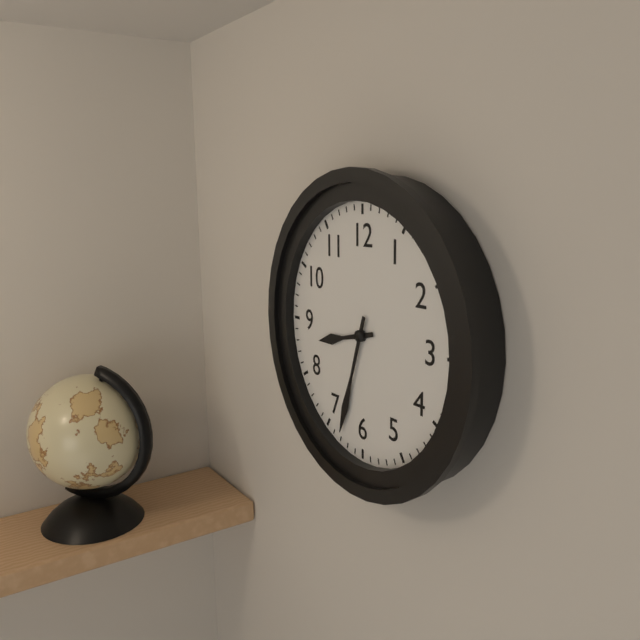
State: h=8 m=33
